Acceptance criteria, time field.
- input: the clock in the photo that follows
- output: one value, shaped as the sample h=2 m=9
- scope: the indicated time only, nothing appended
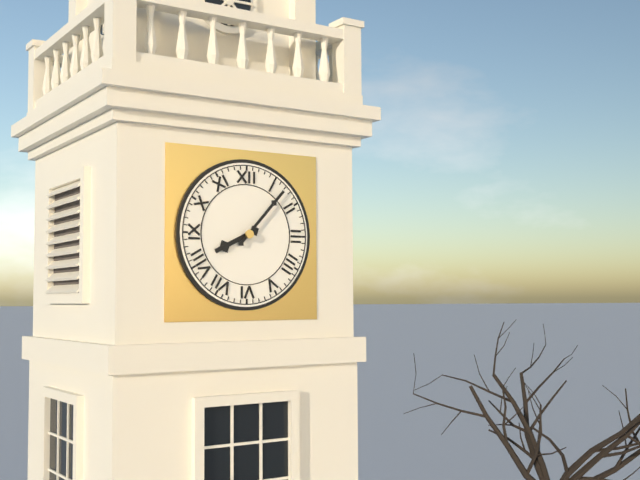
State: h=8 m=7
